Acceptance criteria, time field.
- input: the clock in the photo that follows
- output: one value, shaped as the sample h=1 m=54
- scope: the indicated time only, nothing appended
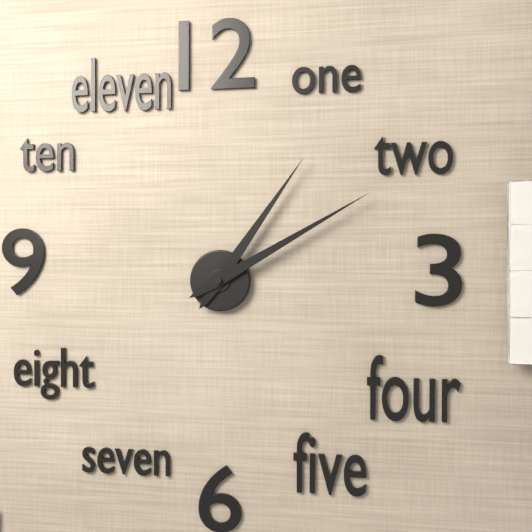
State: h=1 m=10
